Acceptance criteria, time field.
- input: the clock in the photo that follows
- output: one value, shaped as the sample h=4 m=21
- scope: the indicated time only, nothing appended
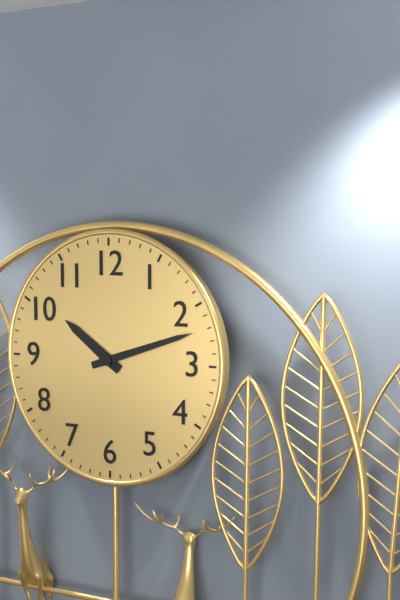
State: h=10 m=12
